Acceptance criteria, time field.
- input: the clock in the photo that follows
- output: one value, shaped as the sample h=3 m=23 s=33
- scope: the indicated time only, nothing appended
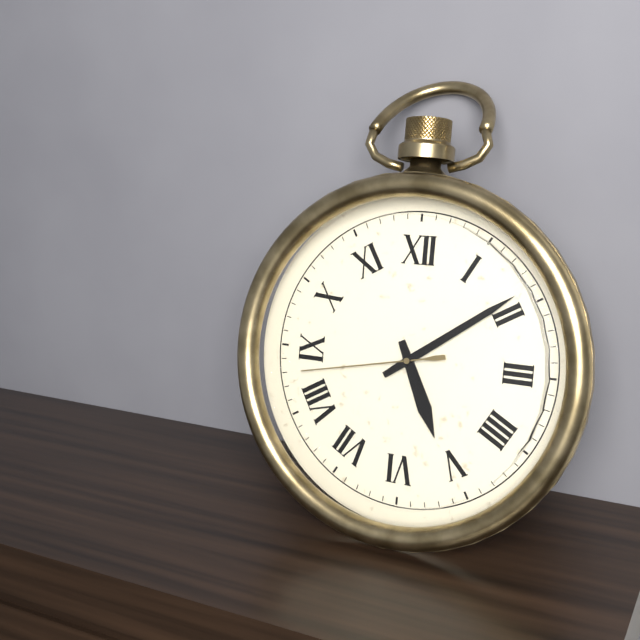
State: h=5 m=9 s=43
